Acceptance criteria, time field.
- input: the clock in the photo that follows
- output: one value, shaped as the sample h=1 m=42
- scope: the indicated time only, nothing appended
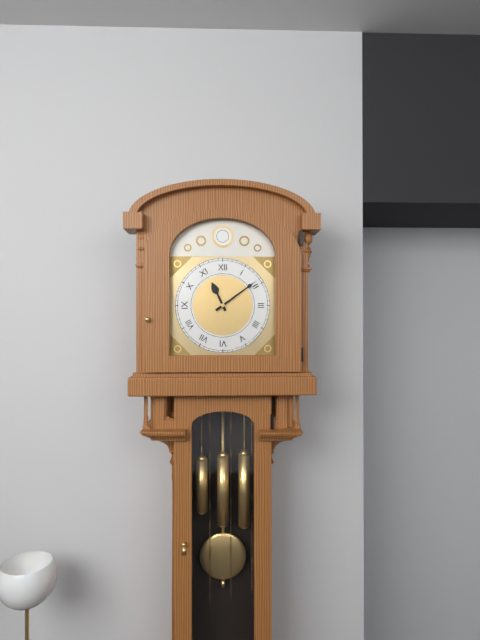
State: h=11 m=9
